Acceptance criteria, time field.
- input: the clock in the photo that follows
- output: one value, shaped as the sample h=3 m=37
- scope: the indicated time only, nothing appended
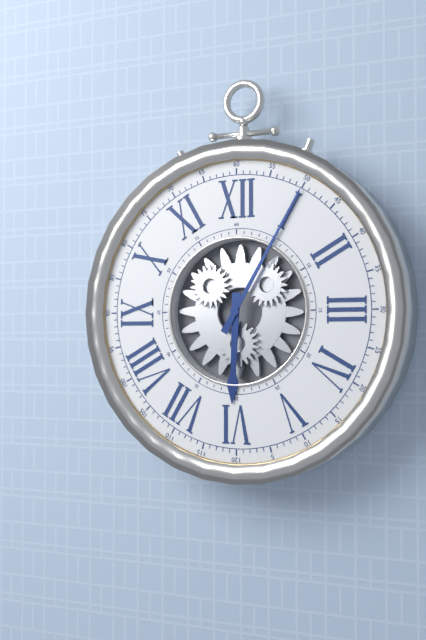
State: h=6 m=5
